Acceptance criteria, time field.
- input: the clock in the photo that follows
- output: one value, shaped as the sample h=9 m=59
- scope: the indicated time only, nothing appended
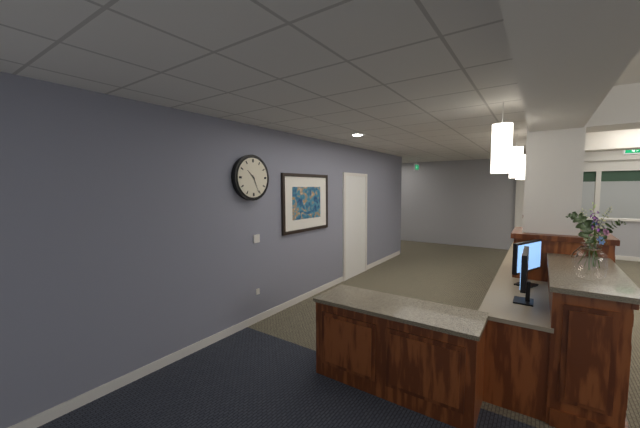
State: h=10 m=26
